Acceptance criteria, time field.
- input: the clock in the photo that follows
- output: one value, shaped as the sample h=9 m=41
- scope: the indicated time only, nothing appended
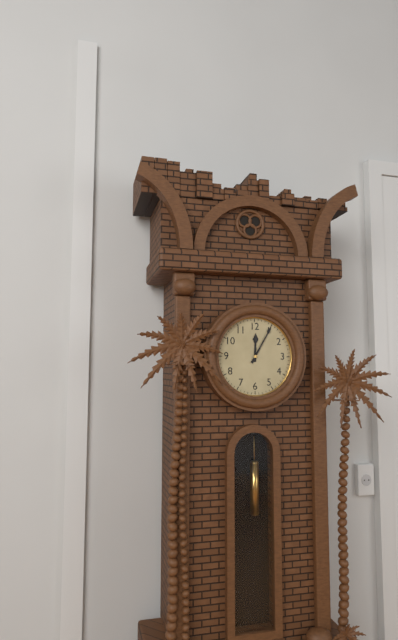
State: h=12 m=5
